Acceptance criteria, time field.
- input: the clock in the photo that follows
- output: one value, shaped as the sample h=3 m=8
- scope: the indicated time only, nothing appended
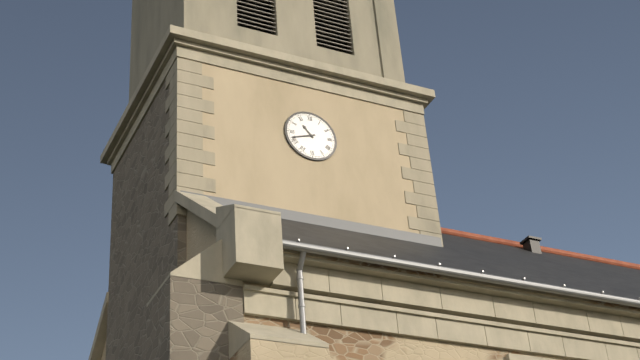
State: h=10 m=42
